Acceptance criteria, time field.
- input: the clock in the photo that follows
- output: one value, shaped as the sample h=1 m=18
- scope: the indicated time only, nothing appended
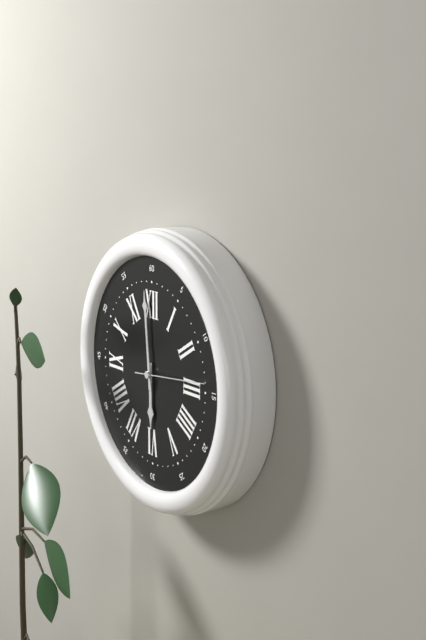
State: h=5 m=59
